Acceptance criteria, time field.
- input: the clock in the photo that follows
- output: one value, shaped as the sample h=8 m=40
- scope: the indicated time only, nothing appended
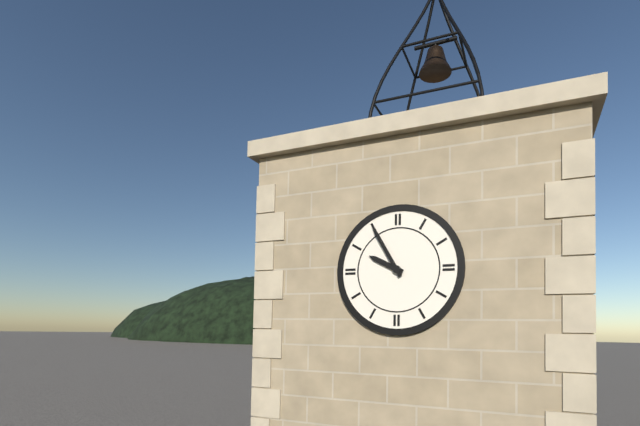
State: h=9 m=55
